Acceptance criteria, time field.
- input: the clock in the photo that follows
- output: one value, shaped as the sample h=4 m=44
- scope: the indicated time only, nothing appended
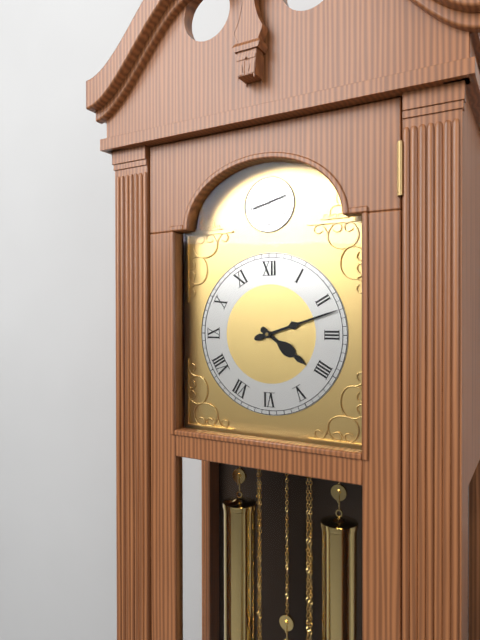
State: h=4 m=12
